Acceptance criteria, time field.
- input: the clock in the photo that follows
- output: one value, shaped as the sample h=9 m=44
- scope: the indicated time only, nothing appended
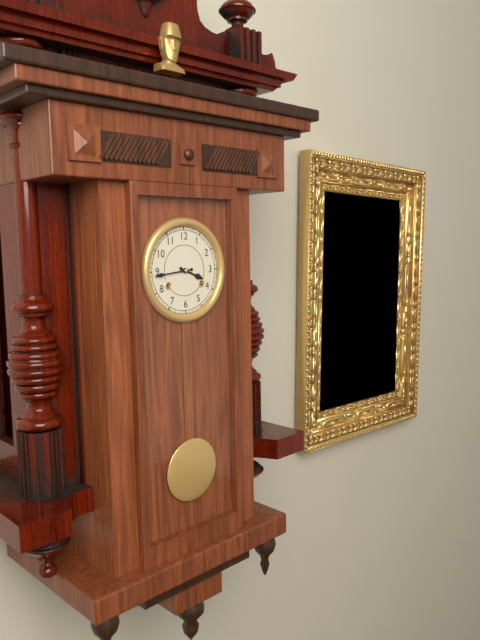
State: h=3 m=44
